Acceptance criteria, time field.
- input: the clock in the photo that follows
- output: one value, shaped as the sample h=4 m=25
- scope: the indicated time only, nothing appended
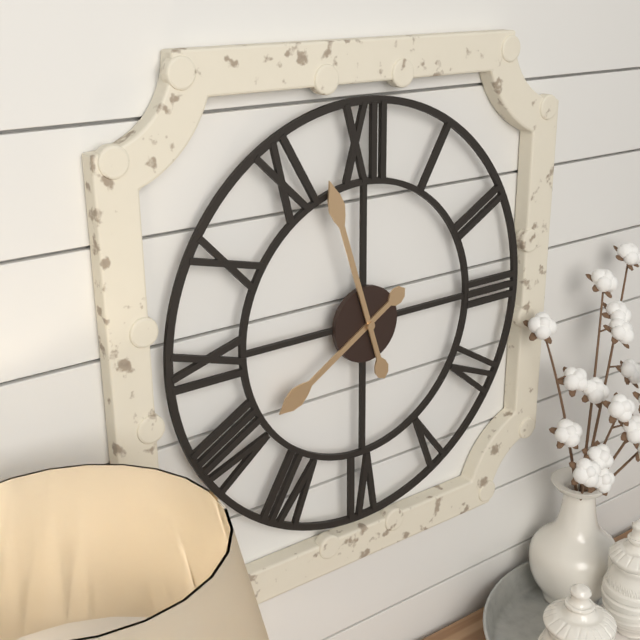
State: h=7 m=57
